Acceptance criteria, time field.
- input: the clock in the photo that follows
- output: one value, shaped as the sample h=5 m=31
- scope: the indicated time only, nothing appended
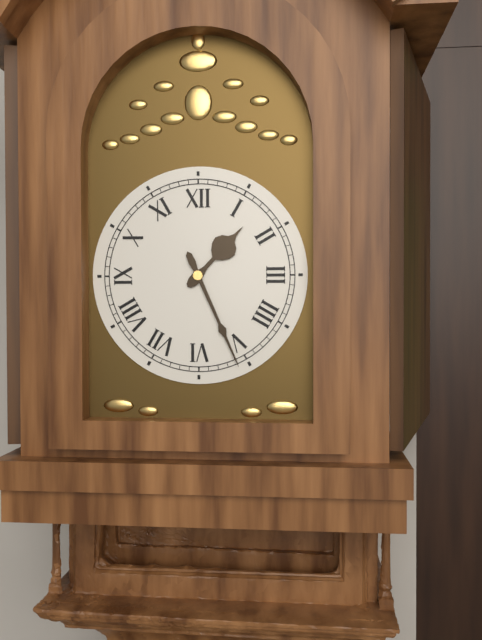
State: h=1 m=26
